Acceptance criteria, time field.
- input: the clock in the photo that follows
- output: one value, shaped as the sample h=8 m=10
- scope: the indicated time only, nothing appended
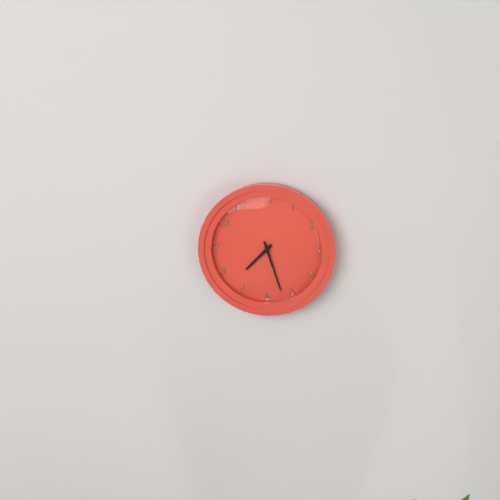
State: h=7 m=27
